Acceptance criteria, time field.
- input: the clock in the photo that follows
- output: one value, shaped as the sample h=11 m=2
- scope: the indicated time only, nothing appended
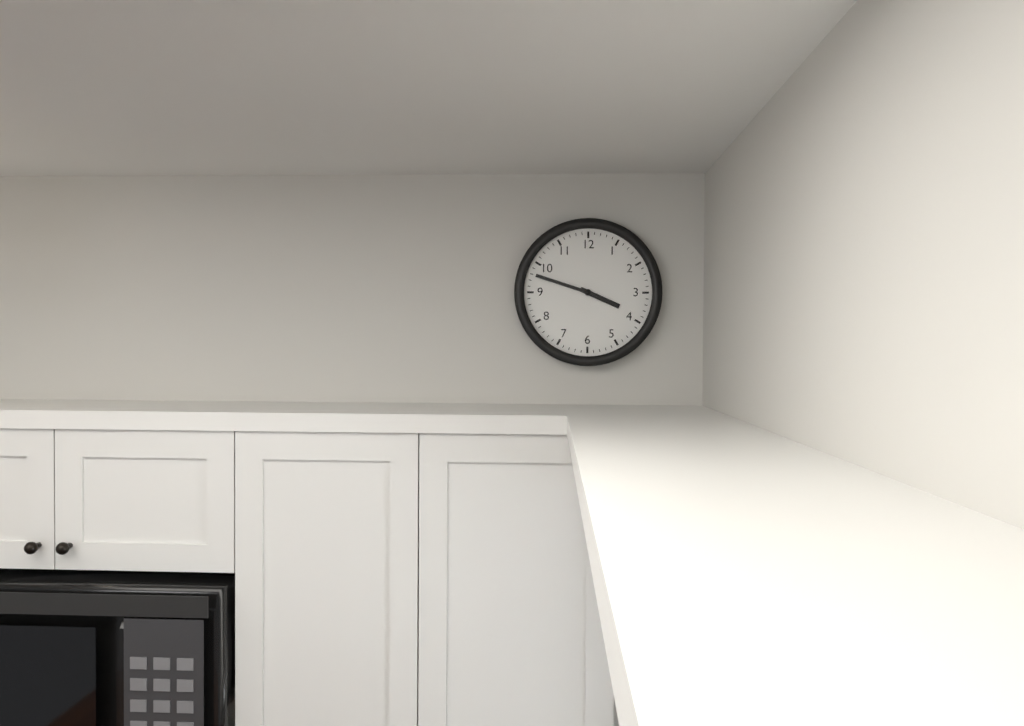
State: h=3 m=48
